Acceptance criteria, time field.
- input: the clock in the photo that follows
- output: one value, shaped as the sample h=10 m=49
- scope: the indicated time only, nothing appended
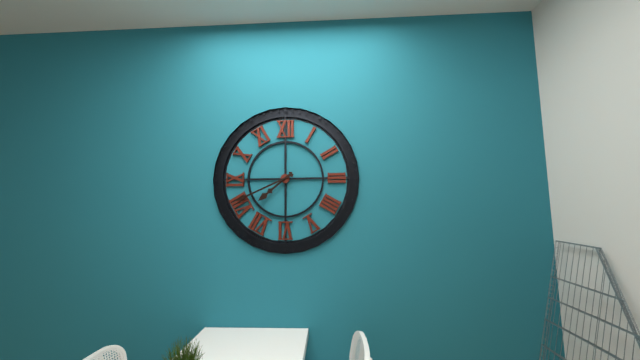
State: h=7 m=41
